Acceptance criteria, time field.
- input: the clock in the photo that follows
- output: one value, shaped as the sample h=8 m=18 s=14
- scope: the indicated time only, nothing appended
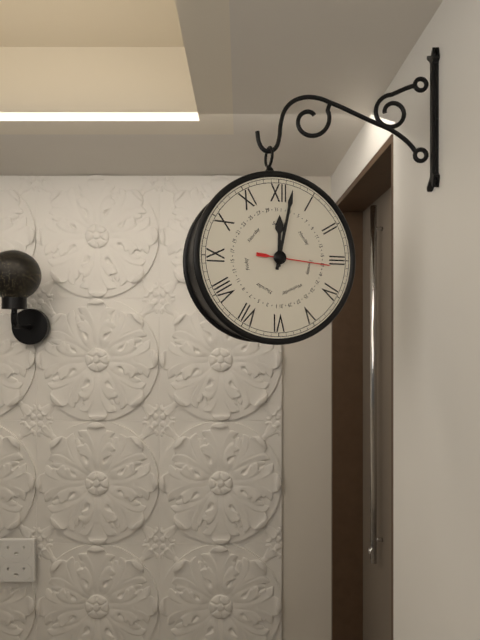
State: h=12 m=2 s=16
